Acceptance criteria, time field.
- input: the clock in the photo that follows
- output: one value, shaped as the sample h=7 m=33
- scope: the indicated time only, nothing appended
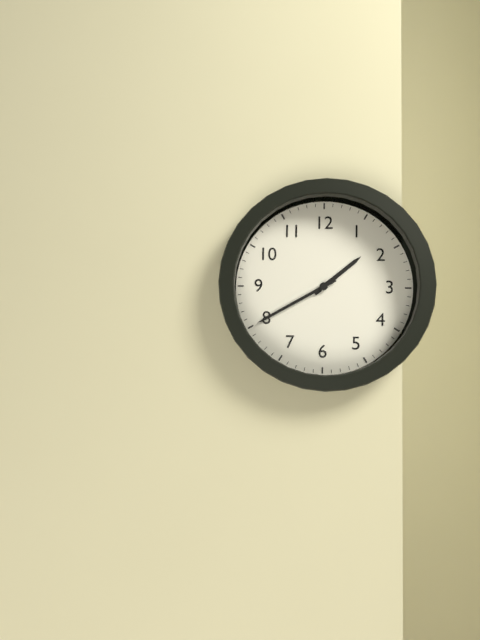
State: h=1 m=40
